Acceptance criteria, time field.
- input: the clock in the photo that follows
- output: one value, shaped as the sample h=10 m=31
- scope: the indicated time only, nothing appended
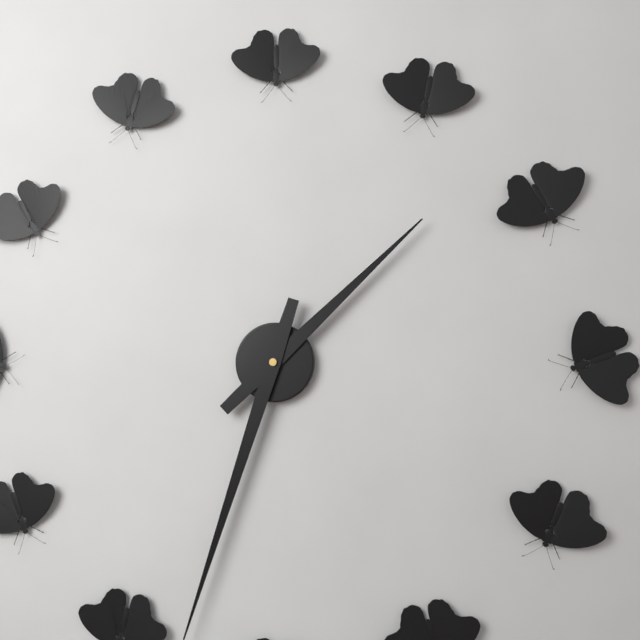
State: h=1 m=33
